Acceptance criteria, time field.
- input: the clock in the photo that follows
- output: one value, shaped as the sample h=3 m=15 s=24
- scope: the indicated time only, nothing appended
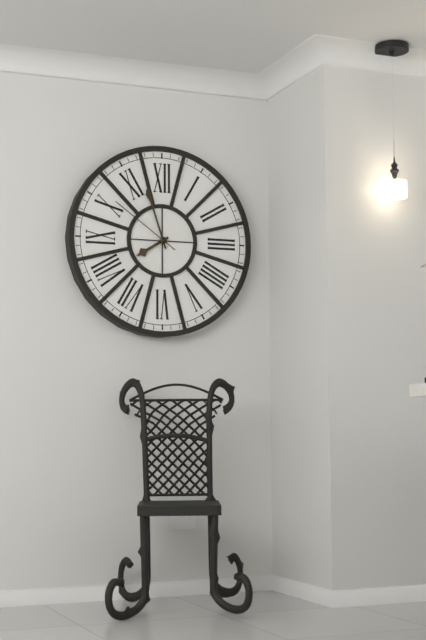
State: h=7 m=57 s=51
